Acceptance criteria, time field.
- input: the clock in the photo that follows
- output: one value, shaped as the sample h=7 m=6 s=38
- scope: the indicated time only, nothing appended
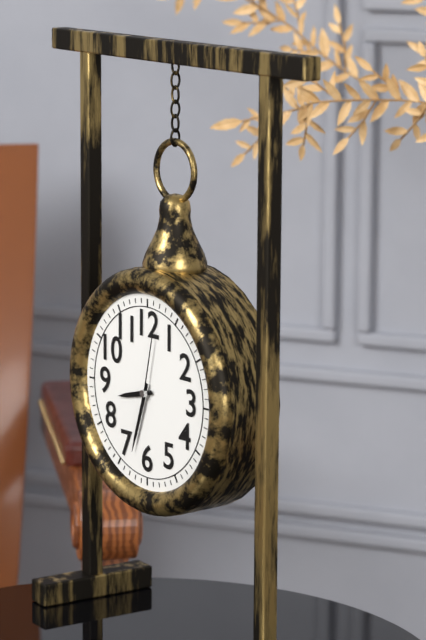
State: h=8 m=33 s=2
